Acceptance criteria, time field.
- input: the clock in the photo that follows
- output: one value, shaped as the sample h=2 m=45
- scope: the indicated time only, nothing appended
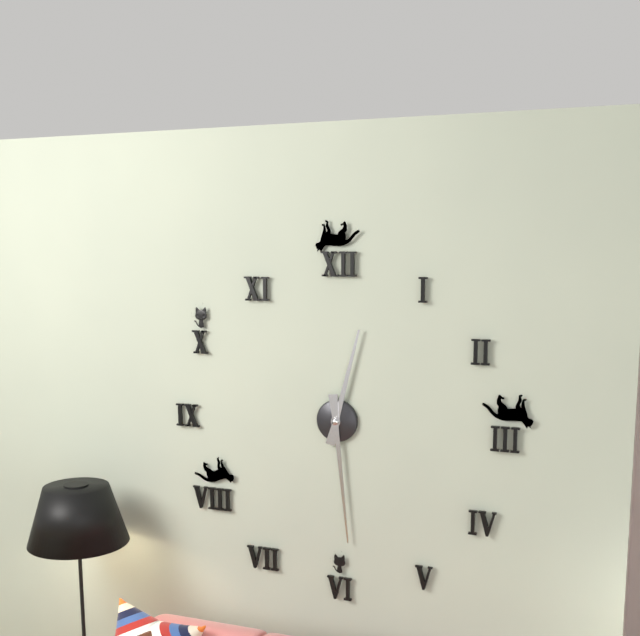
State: h=12 m=29
